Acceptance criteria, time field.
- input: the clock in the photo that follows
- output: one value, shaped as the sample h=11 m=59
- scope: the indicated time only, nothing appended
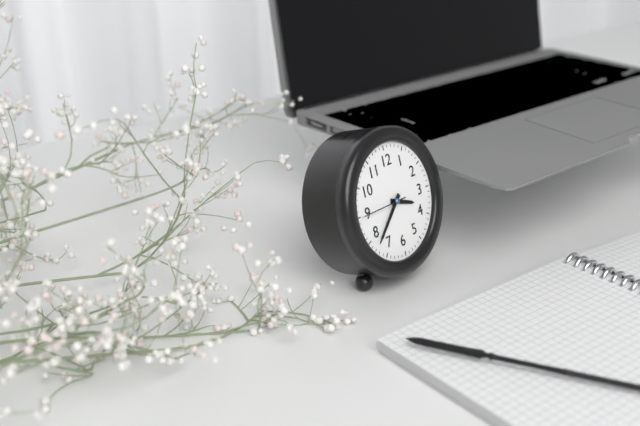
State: h=3 m=38
